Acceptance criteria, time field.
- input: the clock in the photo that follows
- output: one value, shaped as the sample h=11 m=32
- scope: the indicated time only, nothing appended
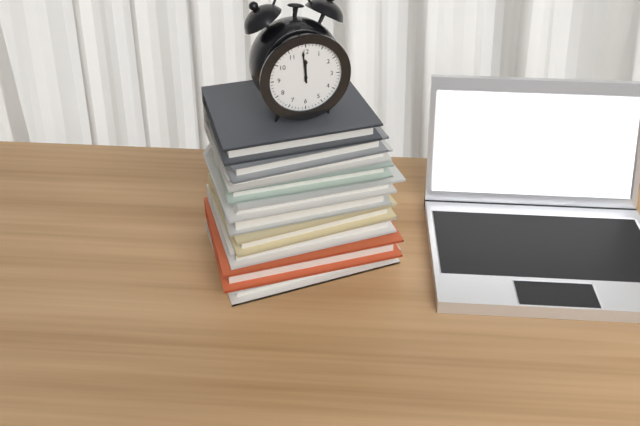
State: h=11 m=59
